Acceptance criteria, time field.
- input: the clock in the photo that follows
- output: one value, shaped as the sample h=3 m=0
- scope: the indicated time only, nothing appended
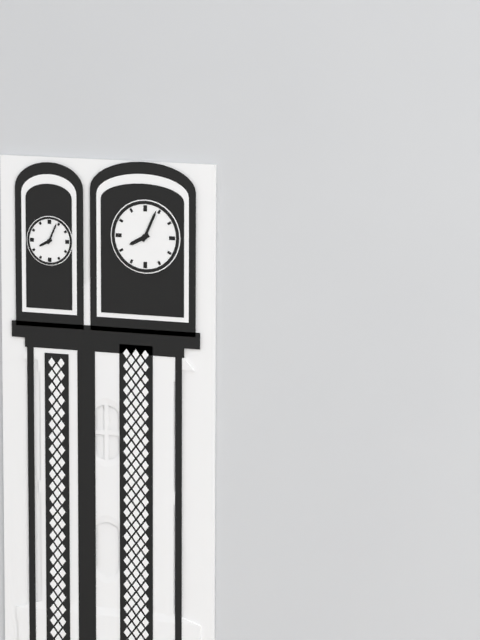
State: h=8 m=4
